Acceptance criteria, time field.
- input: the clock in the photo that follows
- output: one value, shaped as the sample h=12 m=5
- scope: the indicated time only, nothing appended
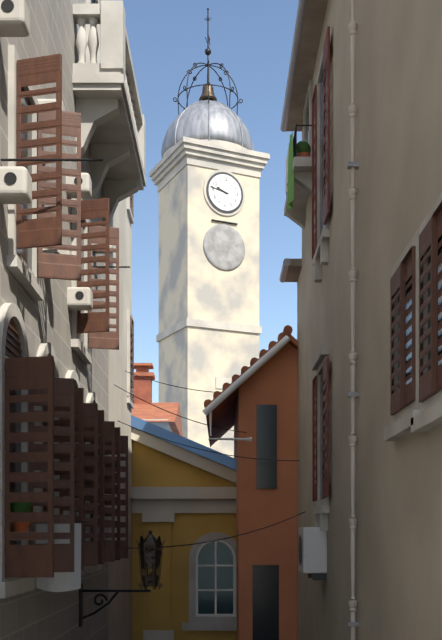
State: h=9 m=47
